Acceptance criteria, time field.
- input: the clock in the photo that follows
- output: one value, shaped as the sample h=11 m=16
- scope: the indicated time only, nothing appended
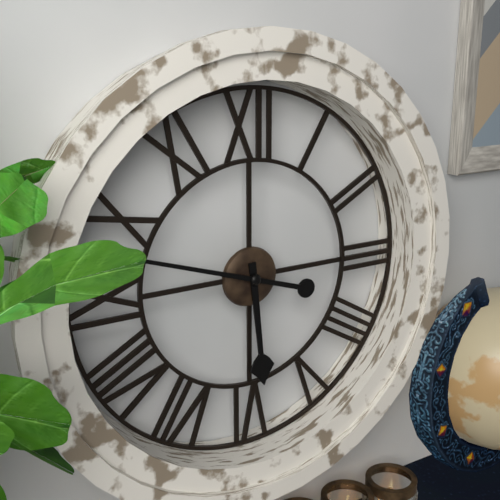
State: h=5 m=48
